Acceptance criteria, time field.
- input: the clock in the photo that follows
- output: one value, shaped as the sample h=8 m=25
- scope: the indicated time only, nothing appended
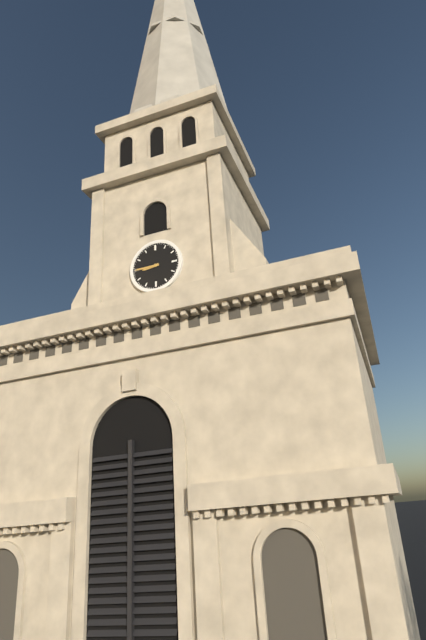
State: h=8 m=45
